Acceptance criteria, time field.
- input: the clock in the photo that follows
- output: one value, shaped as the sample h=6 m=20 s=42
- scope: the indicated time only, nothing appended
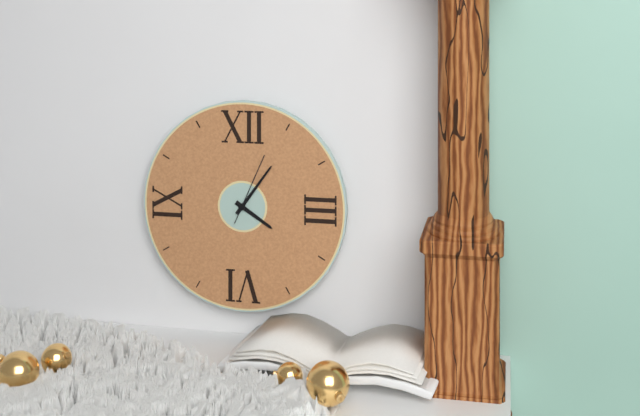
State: h=4 m=6 s=4
